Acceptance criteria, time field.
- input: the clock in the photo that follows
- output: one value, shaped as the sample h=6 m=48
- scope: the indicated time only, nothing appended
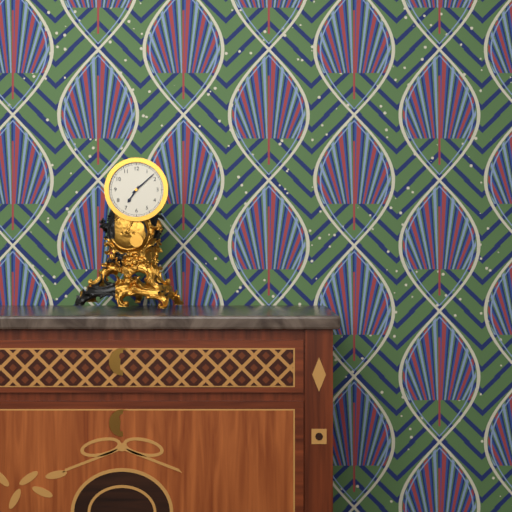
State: h=7 m=8
